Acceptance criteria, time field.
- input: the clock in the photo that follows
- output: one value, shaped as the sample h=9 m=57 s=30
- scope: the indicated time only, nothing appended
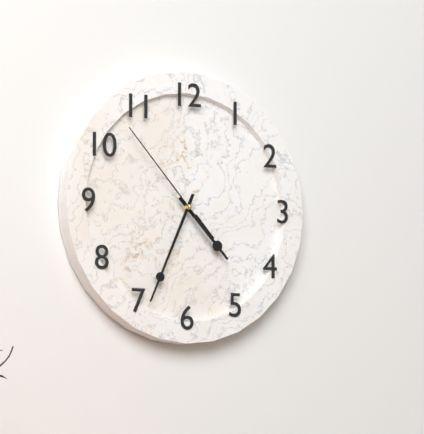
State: h=4 m=34 s=53
